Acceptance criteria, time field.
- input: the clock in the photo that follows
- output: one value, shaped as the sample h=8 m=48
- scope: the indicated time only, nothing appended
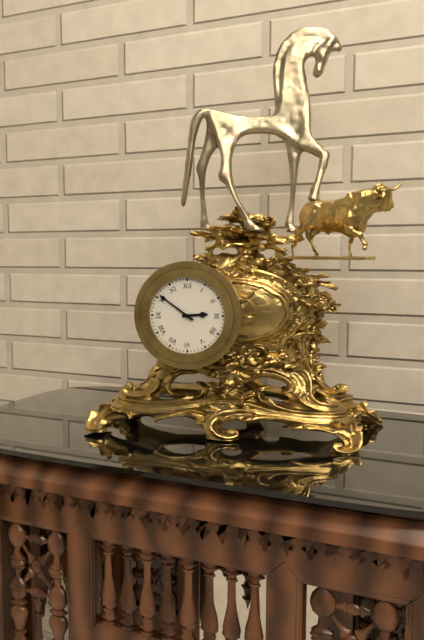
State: h=2 m=51
